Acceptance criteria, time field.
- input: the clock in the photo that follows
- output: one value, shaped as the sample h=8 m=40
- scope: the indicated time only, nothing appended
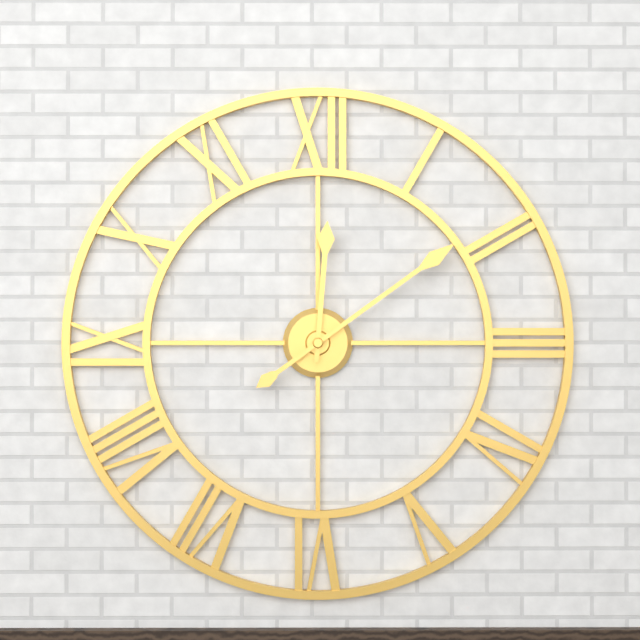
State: h=12 m=9
